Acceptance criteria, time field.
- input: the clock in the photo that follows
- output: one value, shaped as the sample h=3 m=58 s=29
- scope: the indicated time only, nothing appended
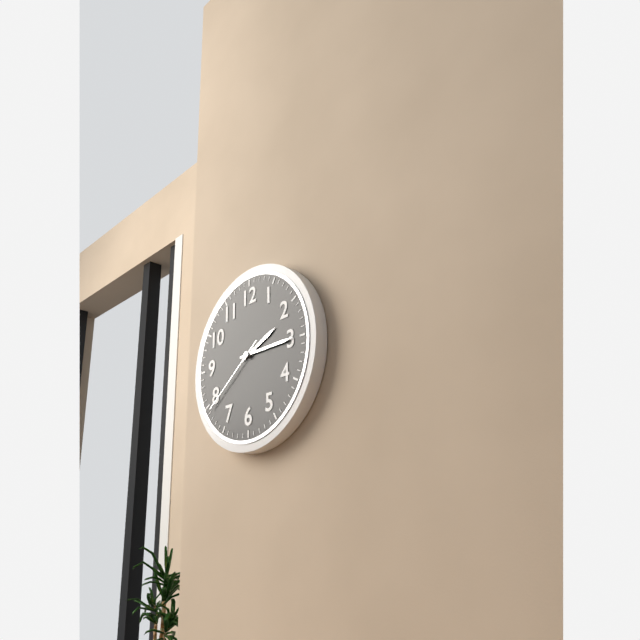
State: h=2 m=15 s=39
